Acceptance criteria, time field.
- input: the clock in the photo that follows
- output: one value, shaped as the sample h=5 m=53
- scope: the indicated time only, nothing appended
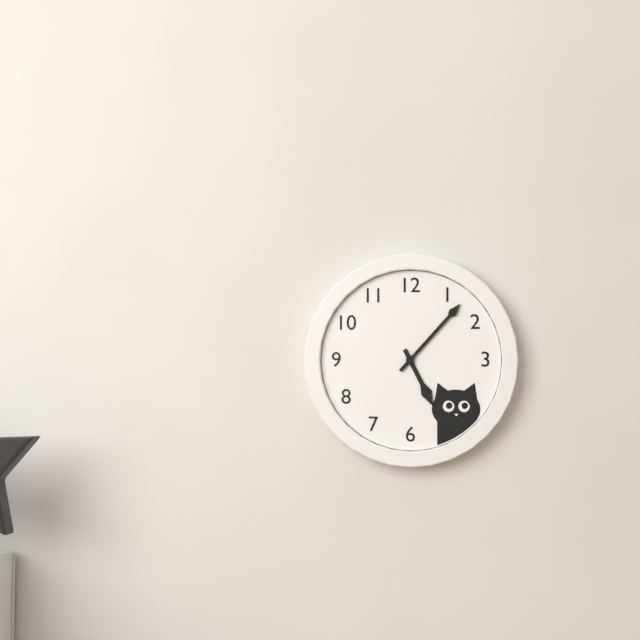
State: h=5 m=7
